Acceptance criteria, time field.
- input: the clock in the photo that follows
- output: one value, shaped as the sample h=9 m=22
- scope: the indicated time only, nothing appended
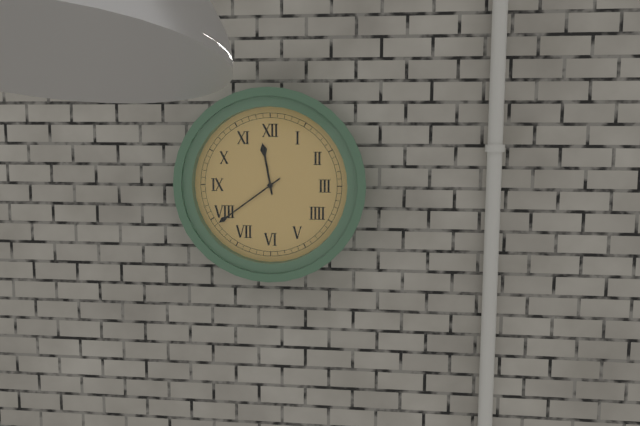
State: h=11 m=39
